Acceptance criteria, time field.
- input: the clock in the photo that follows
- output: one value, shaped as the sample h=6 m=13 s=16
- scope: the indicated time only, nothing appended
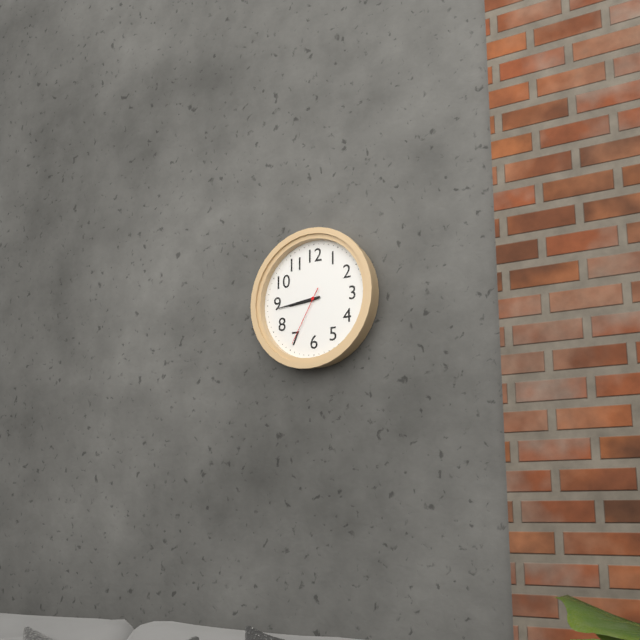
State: h=8 m=44 s=35
